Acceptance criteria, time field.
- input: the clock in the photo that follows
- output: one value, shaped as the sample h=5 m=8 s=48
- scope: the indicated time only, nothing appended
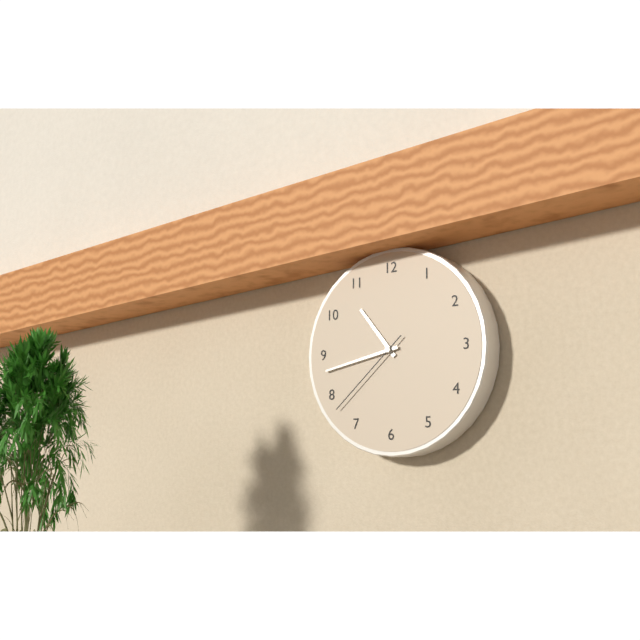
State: h=10 m=43 s=38
